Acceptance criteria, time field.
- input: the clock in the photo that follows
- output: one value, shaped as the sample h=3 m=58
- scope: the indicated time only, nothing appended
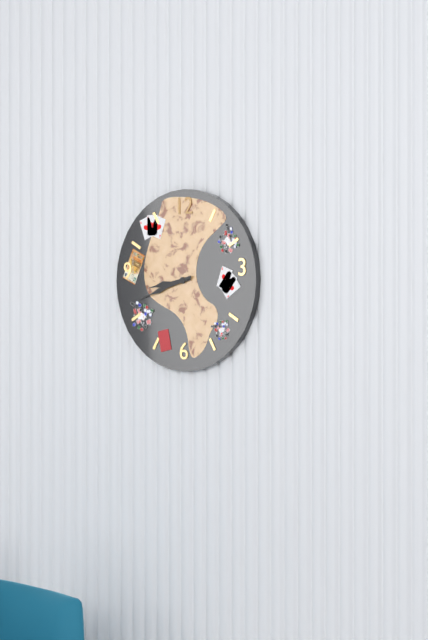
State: h=8 m=42
